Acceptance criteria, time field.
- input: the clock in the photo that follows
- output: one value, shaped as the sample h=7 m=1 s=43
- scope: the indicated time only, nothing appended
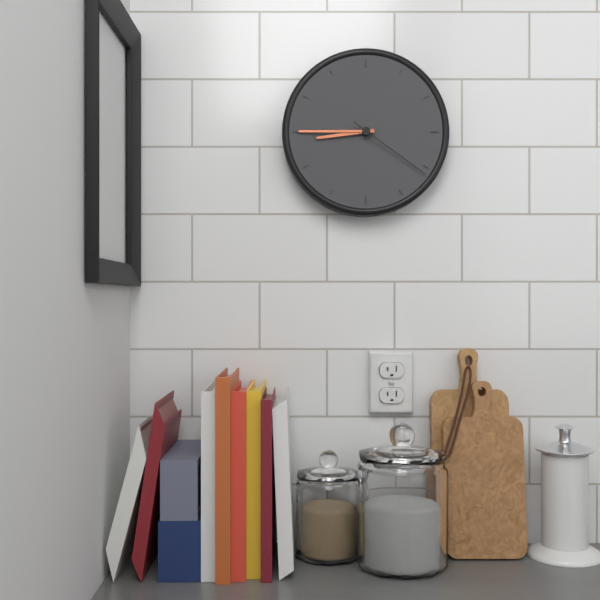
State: h=8 m=45 s=21
